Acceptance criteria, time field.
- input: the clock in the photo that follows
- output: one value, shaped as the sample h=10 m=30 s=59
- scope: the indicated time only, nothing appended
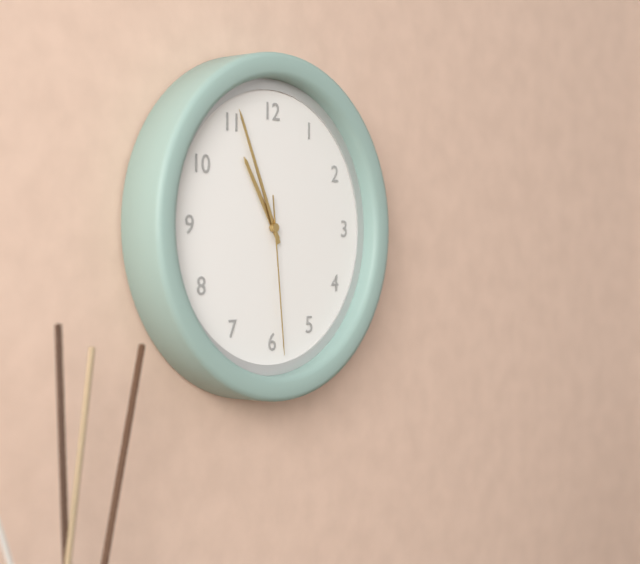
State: h=10 m=56 s=29
